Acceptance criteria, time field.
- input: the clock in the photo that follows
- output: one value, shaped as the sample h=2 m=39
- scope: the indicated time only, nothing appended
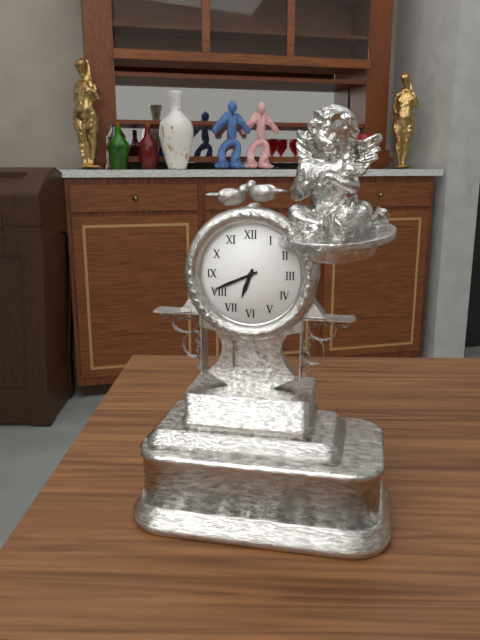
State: h=6 m=41
